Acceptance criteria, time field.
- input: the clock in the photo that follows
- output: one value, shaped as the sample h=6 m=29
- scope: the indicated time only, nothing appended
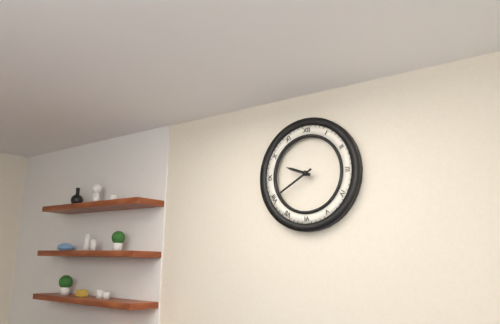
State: h=9 m=40
